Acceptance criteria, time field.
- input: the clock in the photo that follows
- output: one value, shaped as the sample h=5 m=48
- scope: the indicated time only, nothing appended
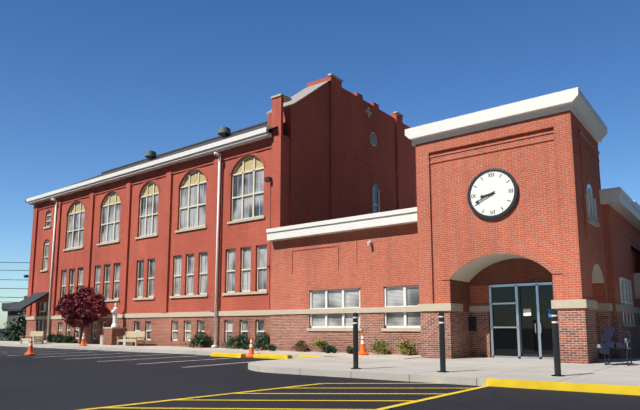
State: h=8 m=41
